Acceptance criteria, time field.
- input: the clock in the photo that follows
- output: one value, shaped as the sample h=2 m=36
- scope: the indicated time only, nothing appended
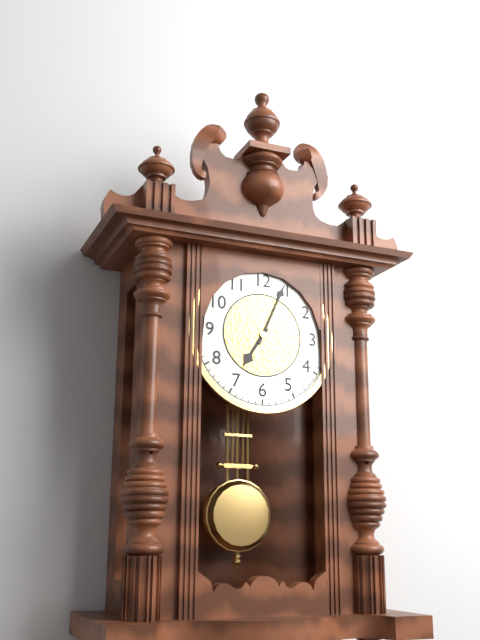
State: h=7 m=4
